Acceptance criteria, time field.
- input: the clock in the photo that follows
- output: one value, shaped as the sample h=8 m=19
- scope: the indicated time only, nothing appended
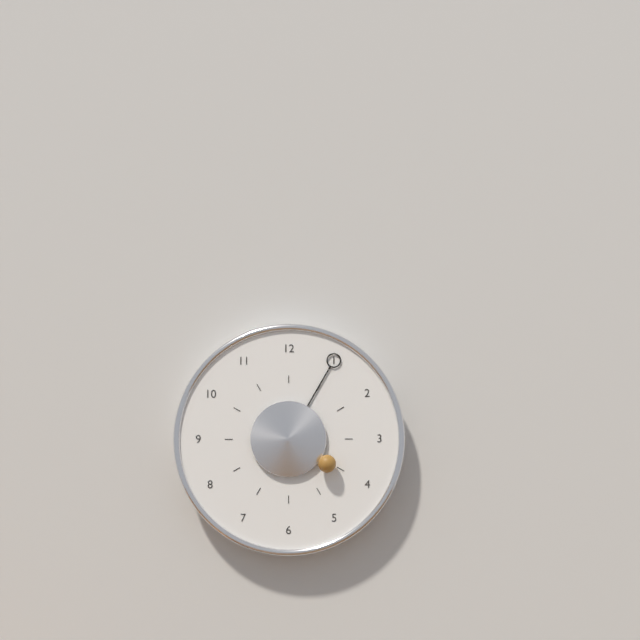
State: h=4 m=5
